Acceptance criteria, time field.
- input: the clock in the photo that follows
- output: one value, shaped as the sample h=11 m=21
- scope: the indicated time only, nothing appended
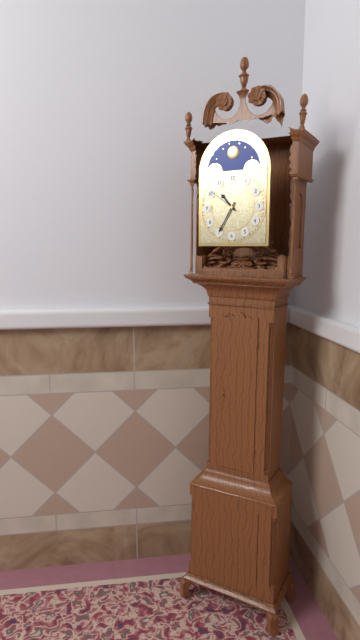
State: h=10 m=35
